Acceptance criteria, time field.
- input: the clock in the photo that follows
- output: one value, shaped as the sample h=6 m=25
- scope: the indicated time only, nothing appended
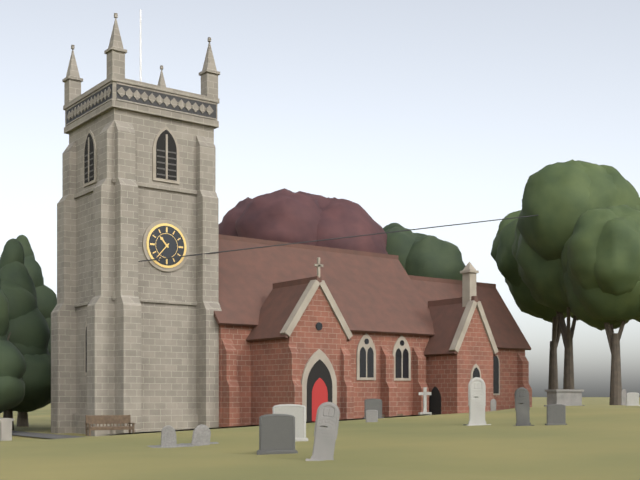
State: h=10 m=37
